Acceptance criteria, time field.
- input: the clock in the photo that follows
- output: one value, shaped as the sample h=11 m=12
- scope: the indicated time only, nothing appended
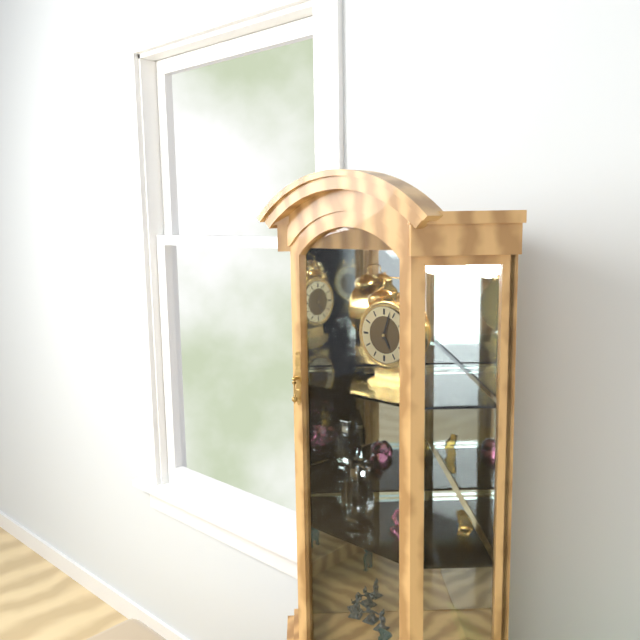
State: h=5 m=3
